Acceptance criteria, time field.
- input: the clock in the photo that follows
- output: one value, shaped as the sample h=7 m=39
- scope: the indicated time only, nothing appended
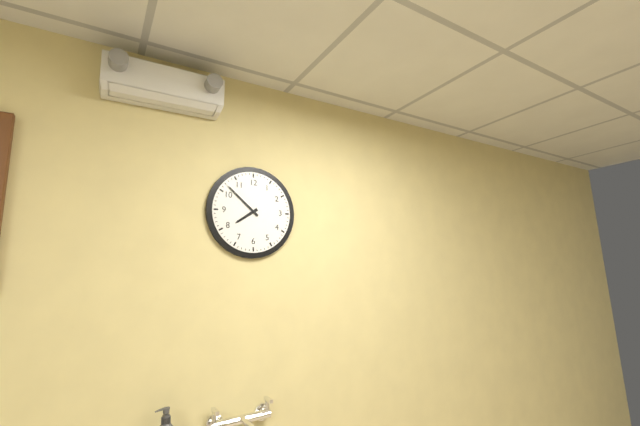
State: h=7 m=52
